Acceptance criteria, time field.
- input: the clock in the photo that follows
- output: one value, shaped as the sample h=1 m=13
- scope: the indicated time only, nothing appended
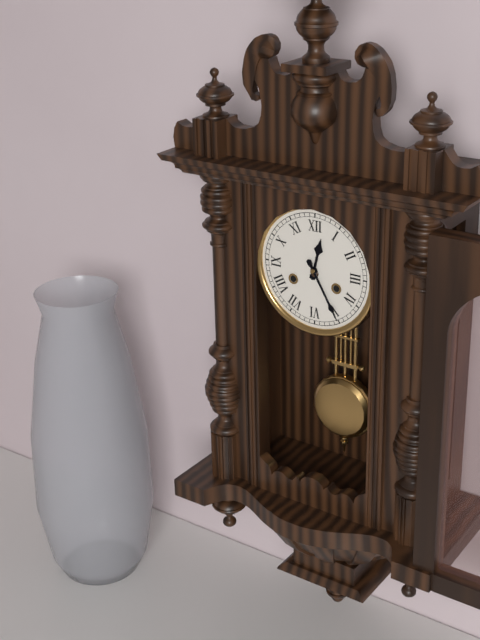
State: h=12 m=25
